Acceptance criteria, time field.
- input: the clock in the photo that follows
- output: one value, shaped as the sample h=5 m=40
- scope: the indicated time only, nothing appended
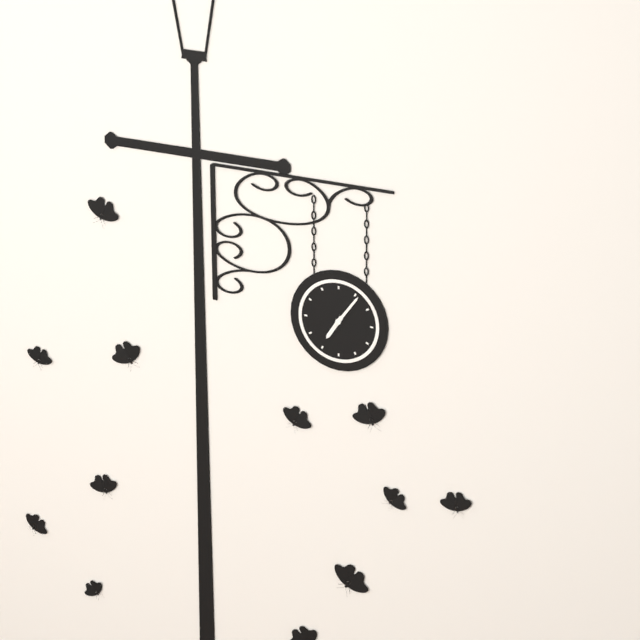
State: h=7 m=6
